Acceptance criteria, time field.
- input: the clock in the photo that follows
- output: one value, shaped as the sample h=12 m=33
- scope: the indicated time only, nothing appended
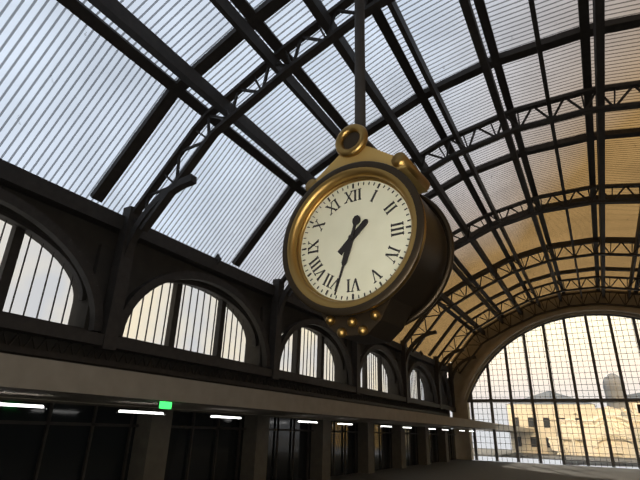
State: h=1 m=33
